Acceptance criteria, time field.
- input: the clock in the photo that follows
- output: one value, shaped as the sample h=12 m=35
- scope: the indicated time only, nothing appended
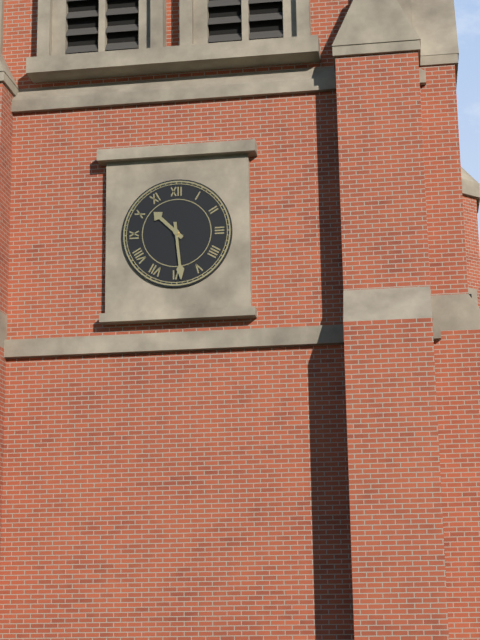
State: h=10 m=29
